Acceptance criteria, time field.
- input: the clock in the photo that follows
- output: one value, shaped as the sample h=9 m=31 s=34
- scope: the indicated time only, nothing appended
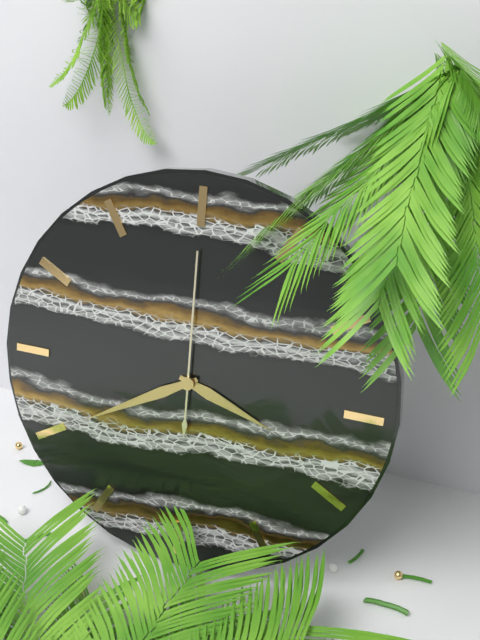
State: h=3 m=40 s=0
